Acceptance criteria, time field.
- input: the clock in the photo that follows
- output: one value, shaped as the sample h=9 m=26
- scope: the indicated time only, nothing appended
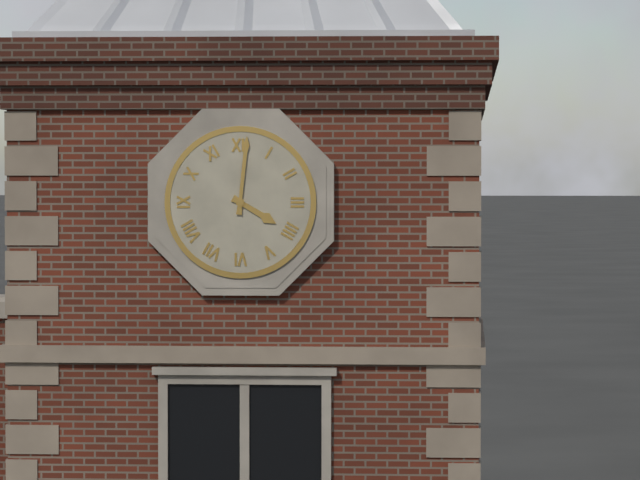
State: h=4 m=1
